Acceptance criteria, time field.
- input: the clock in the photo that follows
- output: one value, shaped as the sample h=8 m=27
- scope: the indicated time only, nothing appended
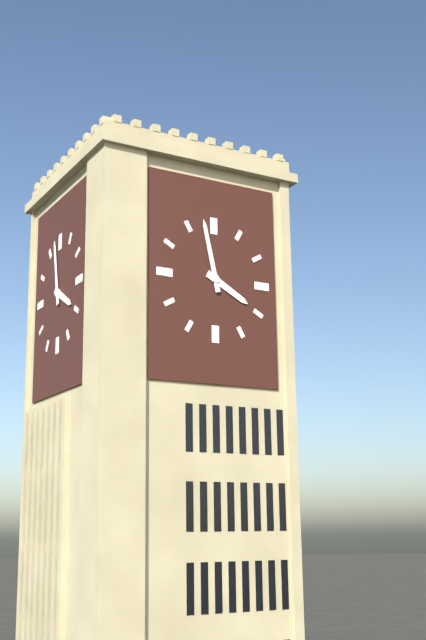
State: h=3 m=58
